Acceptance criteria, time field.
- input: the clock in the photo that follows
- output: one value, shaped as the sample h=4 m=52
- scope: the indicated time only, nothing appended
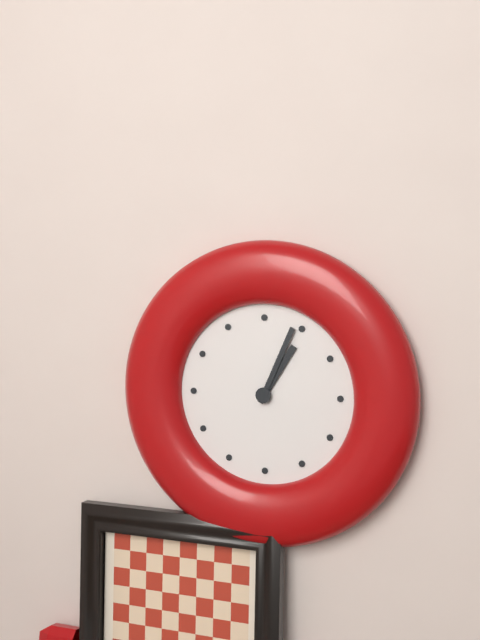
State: h=1 m=4
